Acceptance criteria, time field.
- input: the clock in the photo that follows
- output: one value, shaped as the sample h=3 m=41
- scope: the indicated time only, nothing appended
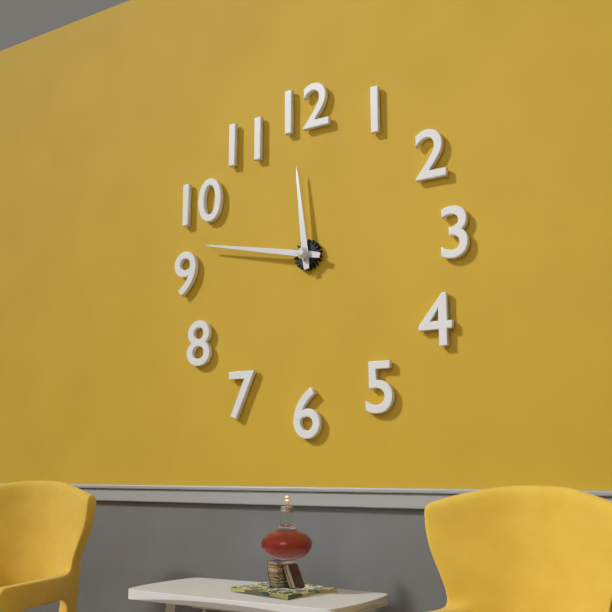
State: h=11 m=47
